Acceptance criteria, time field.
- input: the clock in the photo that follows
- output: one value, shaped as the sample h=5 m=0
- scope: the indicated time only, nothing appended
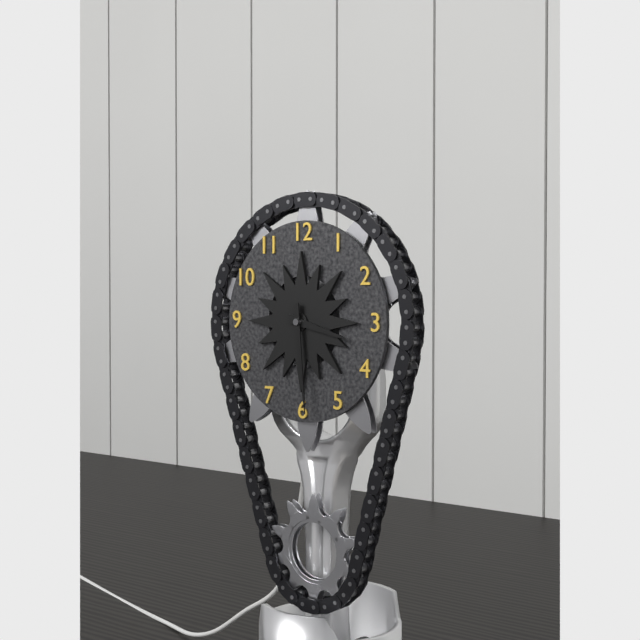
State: h=3 m=29
